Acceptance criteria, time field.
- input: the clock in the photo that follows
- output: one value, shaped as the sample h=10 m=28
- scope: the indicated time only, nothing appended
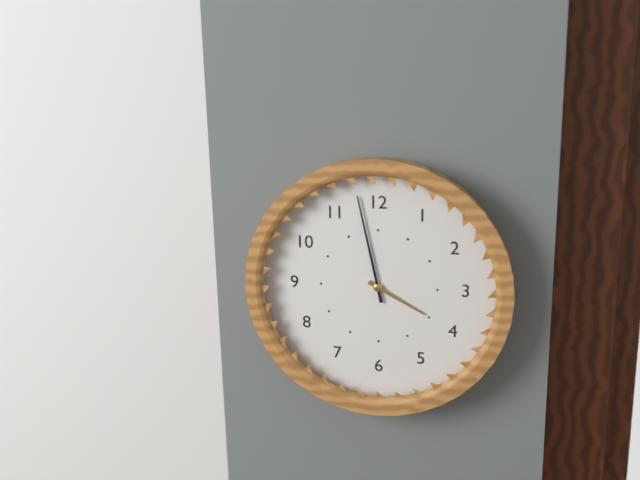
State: h=3 m=58
